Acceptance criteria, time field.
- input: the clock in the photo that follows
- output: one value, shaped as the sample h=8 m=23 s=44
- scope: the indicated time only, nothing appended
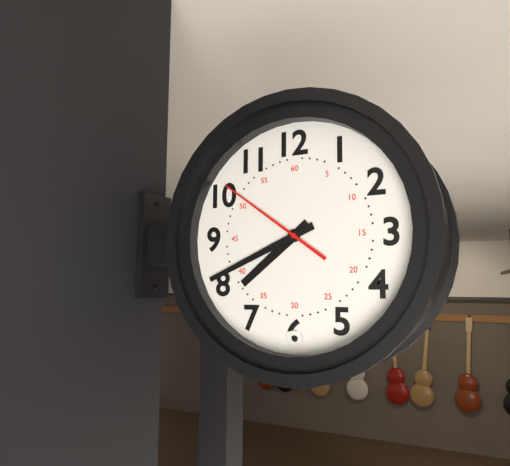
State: h=7 m=41 s=51
